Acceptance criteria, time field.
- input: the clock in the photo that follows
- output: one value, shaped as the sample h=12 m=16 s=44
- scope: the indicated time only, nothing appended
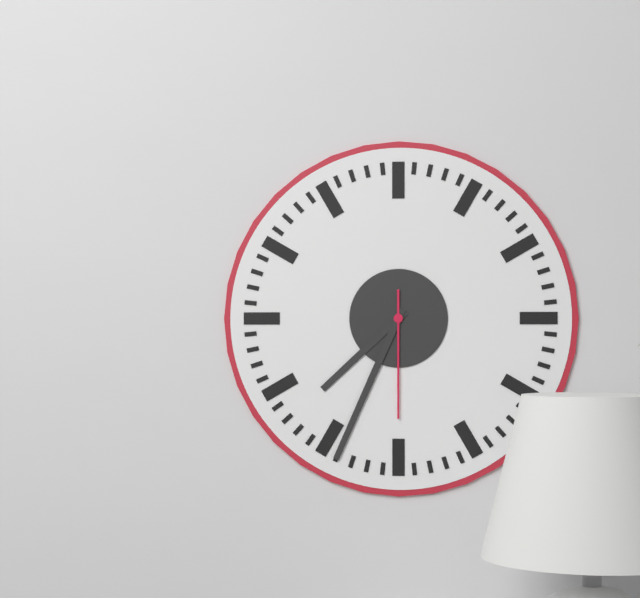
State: h=7 m=34 s=30
